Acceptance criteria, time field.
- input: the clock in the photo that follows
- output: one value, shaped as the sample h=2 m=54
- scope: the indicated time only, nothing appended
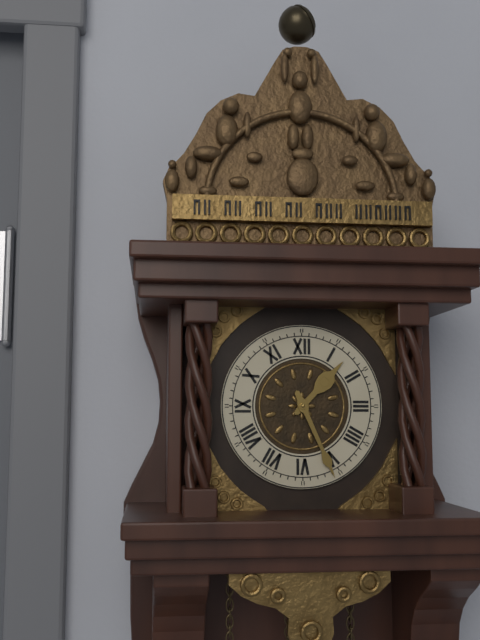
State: h=1 m=26
